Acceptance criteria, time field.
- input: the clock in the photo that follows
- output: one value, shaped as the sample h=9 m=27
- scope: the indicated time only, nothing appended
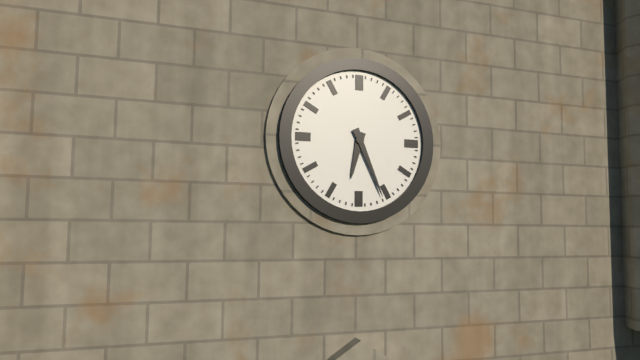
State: h=6 m=26
